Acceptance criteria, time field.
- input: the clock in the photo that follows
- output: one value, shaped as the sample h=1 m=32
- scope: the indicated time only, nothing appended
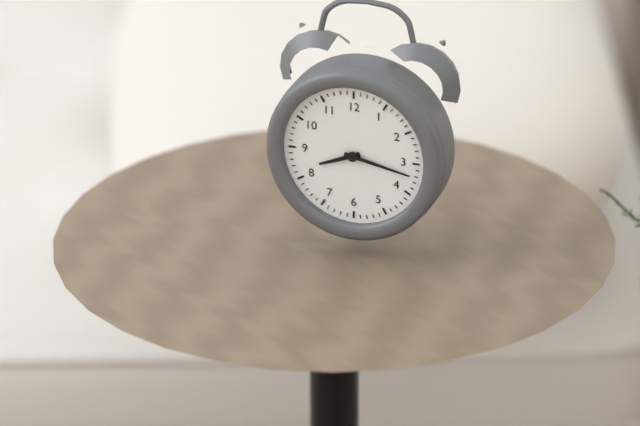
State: h=8 m=17
